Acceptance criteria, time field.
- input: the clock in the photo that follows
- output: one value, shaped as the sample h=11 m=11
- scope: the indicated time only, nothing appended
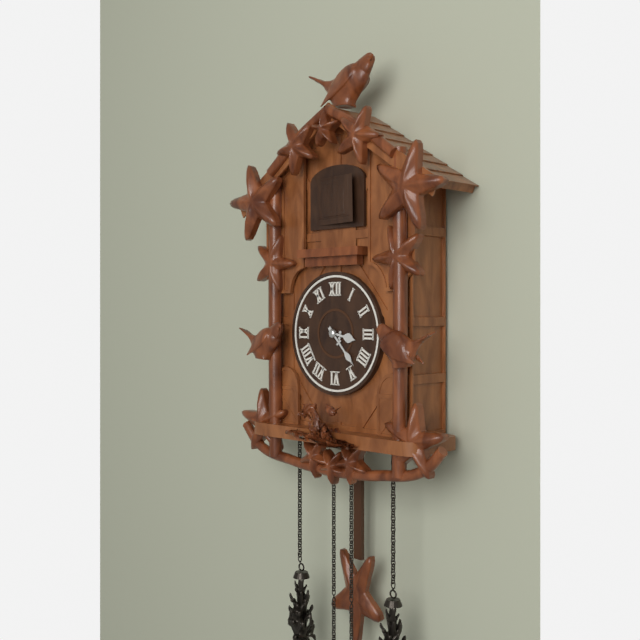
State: h=3 m=23
